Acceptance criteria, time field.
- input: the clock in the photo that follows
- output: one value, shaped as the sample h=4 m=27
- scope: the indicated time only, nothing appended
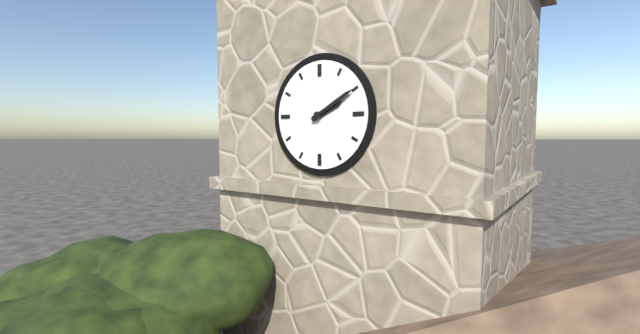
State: h=2 m=10
